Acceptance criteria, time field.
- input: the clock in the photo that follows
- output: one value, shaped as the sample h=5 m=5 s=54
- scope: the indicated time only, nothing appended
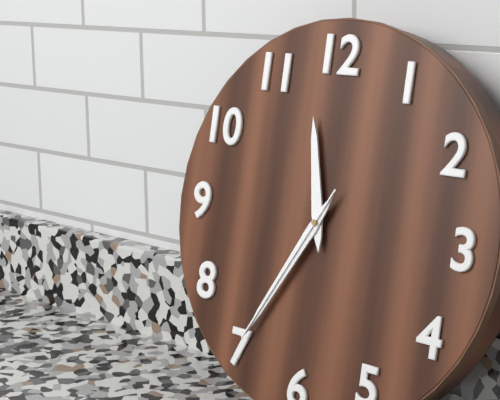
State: h=11 m=35 s=35
